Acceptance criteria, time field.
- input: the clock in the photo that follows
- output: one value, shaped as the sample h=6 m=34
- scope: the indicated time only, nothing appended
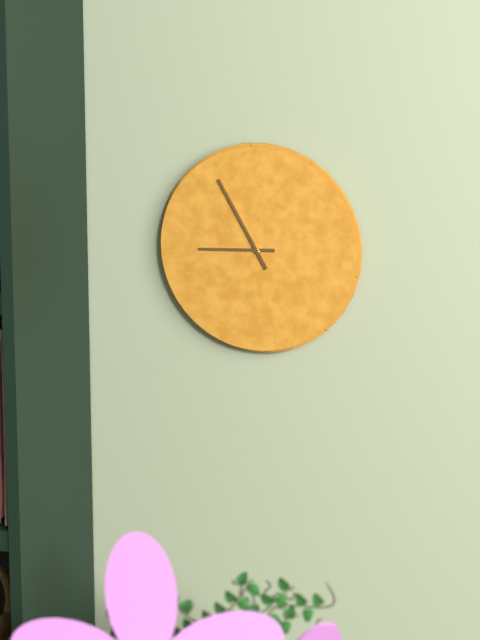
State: h=8 m=55
